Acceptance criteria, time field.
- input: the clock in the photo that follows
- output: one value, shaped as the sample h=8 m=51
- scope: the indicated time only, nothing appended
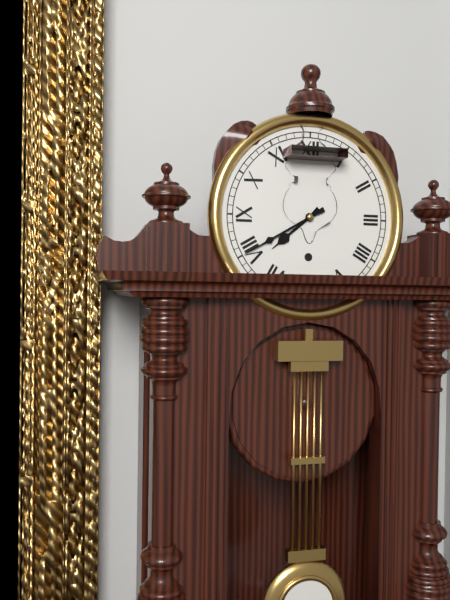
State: h=7 m=40
